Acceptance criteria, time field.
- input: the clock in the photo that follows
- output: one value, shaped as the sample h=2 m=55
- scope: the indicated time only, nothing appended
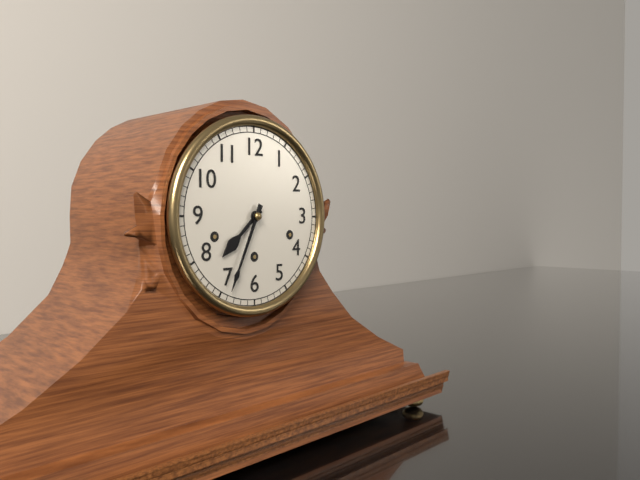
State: h=7 m=34
